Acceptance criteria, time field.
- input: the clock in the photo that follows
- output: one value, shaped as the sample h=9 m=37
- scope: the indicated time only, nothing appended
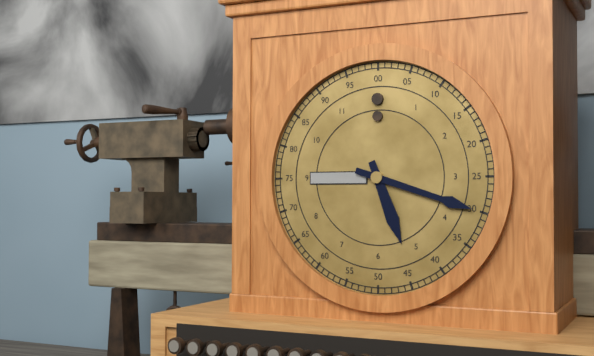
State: h=5 m=18
